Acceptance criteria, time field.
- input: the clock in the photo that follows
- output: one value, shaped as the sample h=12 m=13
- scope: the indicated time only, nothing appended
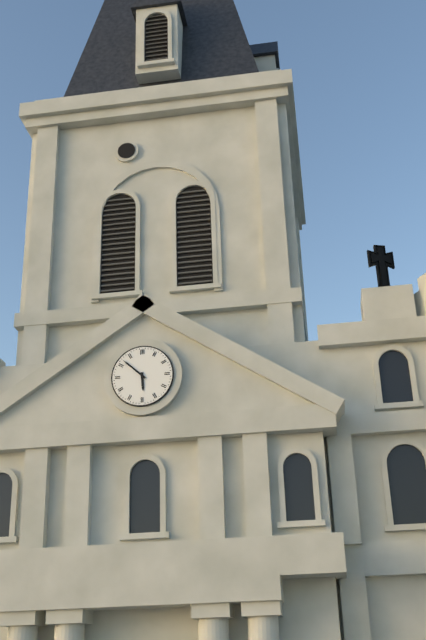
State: h=5 m=52
